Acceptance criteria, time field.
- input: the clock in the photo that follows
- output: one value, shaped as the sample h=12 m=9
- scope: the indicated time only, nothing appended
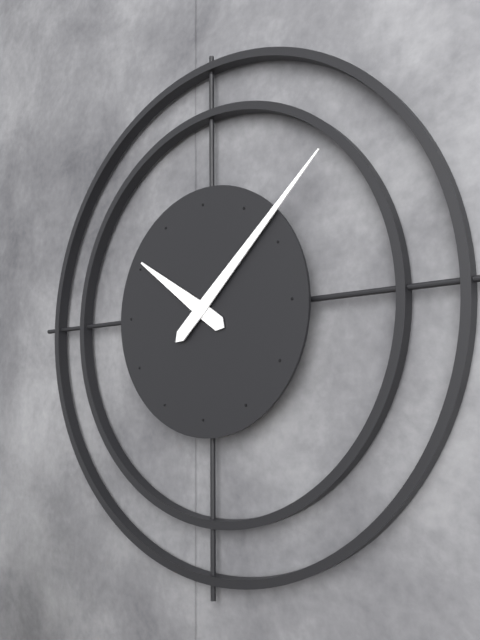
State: h=10 m=8
